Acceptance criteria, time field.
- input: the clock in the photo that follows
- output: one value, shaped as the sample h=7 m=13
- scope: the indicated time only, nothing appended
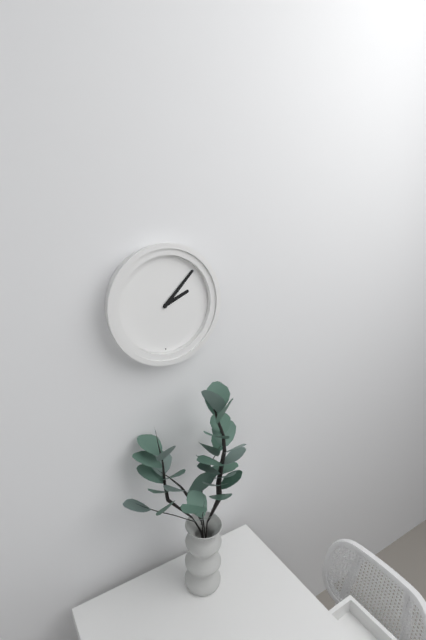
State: h=2 m=7
